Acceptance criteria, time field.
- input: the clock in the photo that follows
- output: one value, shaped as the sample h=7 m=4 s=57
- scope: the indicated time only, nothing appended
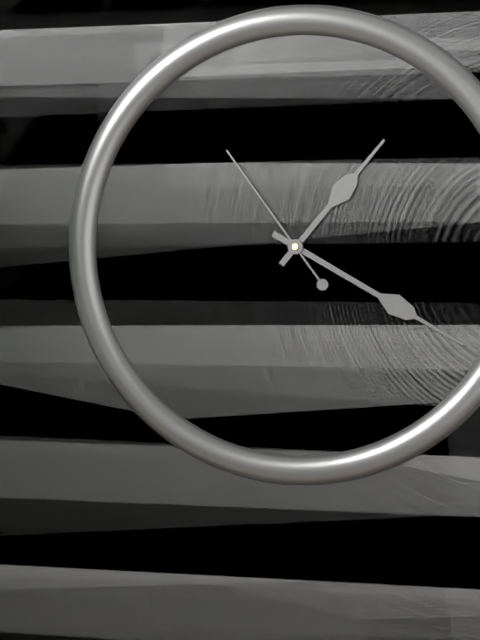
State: h=1 m=20 s=54
